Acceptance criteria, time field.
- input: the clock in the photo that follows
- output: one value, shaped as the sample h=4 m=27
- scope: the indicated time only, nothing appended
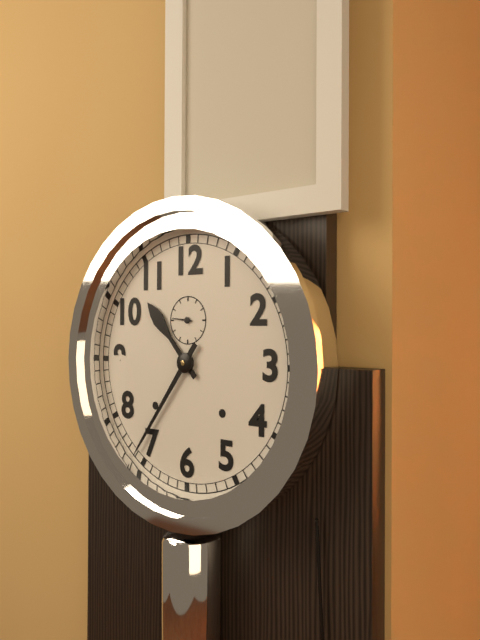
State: h=10 m=36
